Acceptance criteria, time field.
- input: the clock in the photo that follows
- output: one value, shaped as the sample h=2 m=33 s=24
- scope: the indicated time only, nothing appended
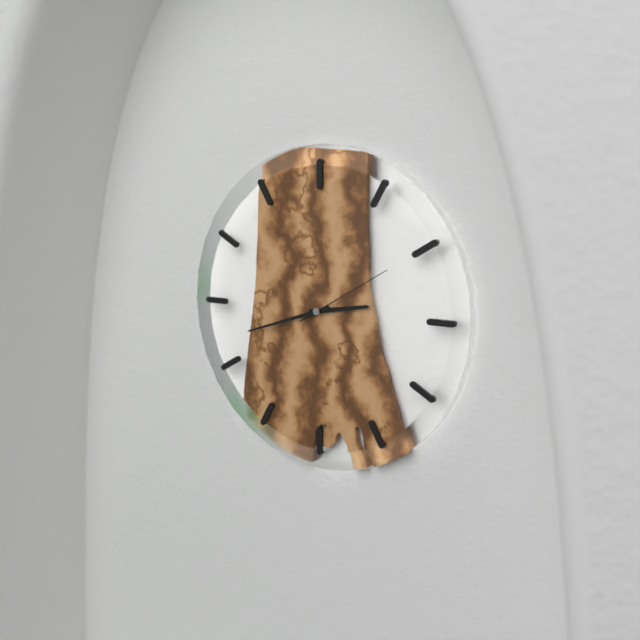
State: h=2 m=42 s=10
